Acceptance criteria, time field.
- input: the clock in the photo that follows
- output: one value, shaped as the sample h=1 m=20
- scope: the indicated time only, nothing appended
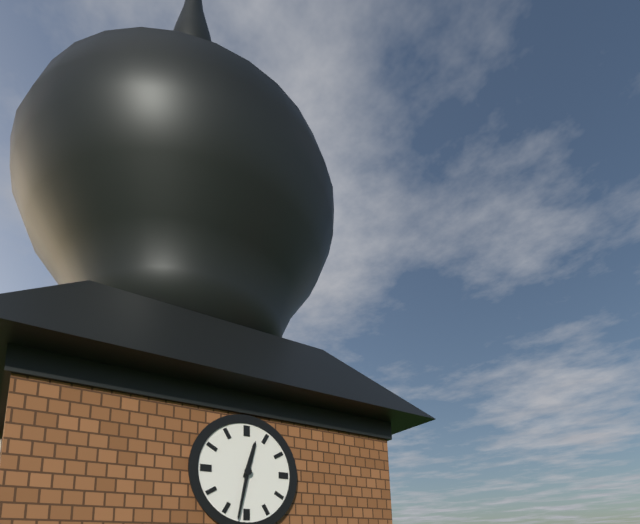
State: h=12 m=32
